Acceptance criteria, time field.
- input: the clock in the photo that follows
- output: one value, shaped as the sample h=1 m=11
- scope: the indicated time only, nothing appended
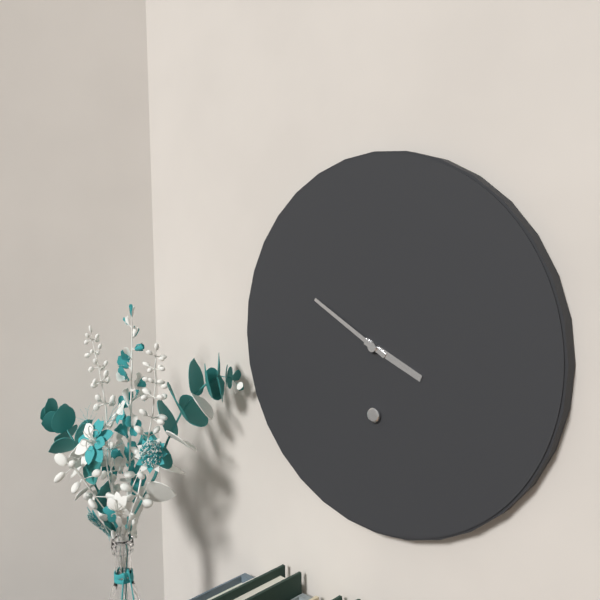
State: h=3 m=50
